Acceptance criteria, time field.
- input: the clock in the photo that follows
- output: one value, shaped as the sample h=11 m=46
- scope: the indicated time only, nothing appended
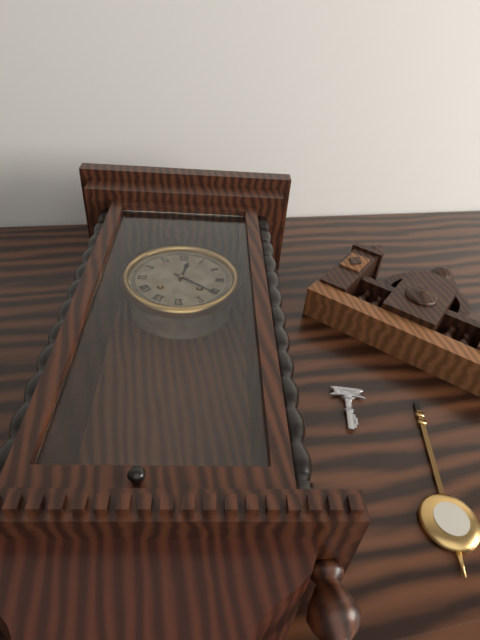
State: h=12 m=21
